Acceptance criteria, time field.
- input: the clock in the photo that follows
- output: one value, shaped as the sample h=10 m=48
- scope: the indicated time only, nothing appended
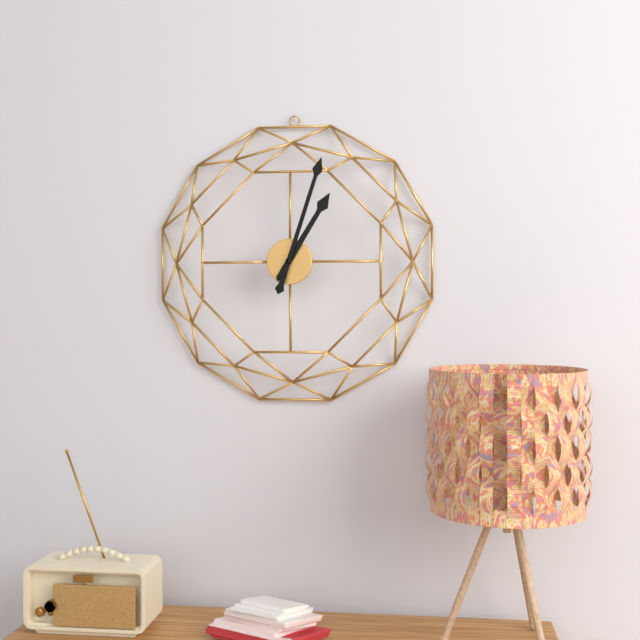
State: h=1 m=3
